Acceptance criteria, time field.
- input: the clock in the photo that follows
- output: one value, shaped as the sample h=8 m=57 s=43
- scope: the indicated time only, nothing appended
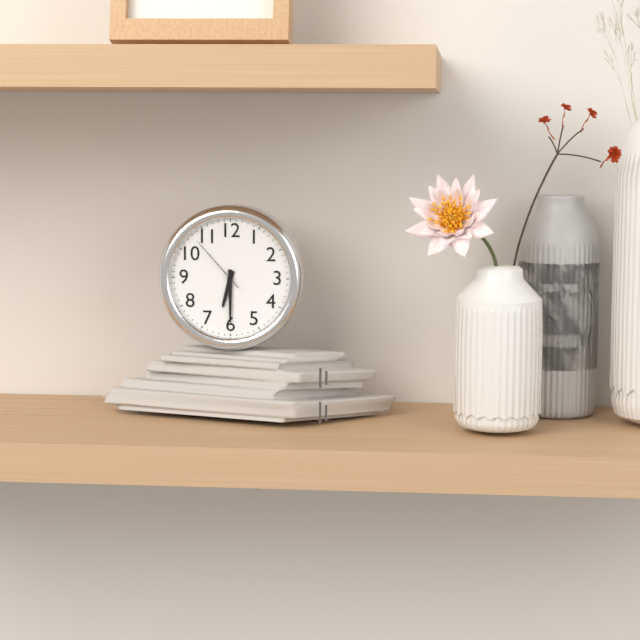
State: h=6 m=30 s=53
